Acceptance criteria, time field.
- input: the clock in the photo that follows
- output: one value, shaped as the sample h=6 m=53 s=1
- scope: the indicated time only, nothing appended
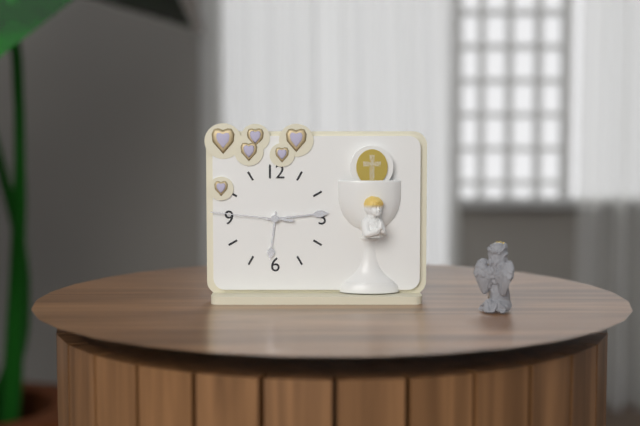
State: h=6 m=14 s=46
